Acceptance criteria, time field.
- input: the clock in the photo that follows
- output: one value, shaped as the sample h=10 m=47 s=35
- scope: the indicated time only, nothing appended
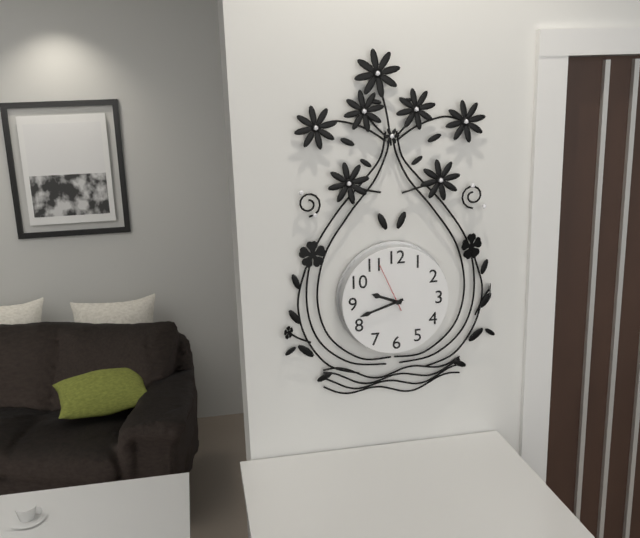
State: h=9 m=42 s=56
